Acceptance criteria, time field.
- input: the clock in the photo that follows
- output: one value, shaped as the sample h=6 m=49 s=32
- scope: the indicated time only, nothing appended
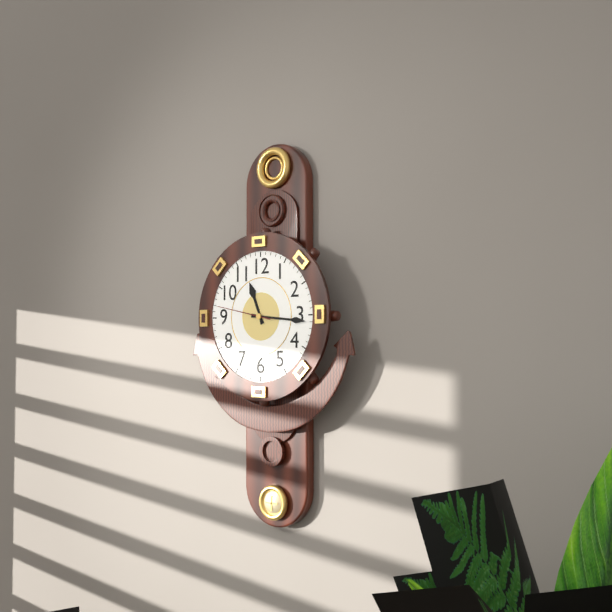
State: h=11 m=16 s=47
